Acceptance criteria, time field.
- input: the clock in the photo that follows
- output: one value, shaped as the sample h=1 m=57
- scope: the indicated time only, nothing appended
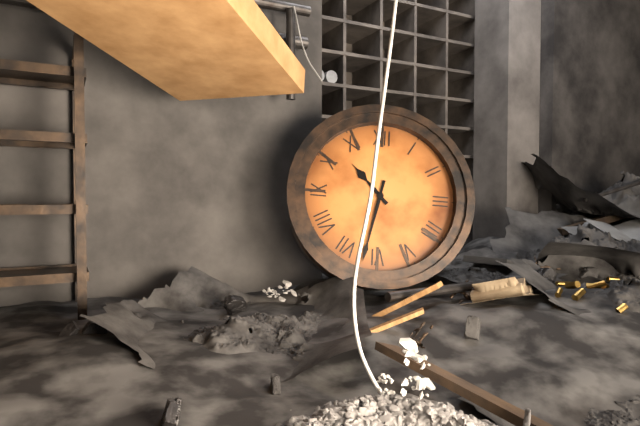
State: h=10 m=32
